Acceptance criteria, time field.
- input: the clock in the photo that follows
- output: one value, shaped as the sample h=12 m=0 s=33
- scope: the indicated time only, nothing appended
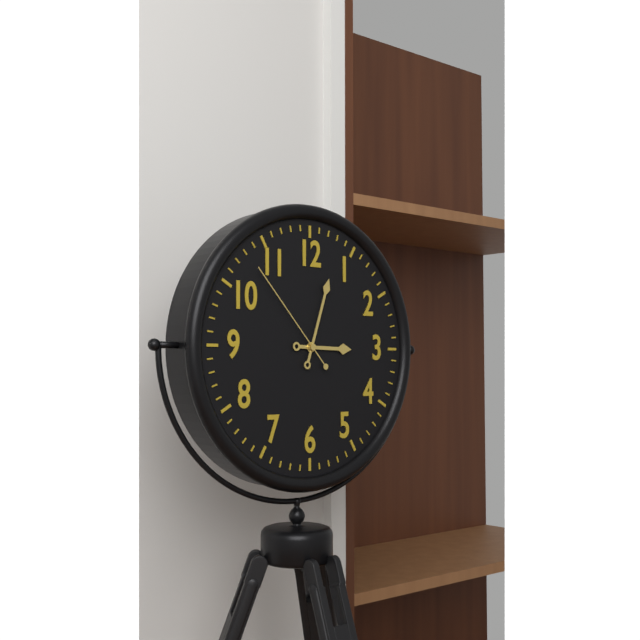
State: h=3 m=3 s=53
